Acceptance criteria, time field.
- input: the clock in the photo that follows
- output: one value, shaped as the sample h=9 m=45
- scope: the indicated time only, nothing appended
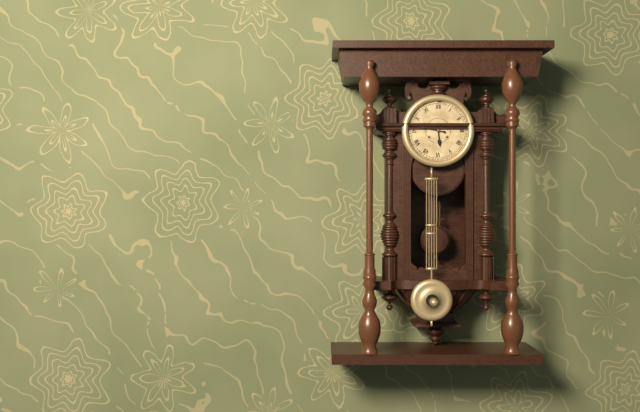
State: h=5 m=47
